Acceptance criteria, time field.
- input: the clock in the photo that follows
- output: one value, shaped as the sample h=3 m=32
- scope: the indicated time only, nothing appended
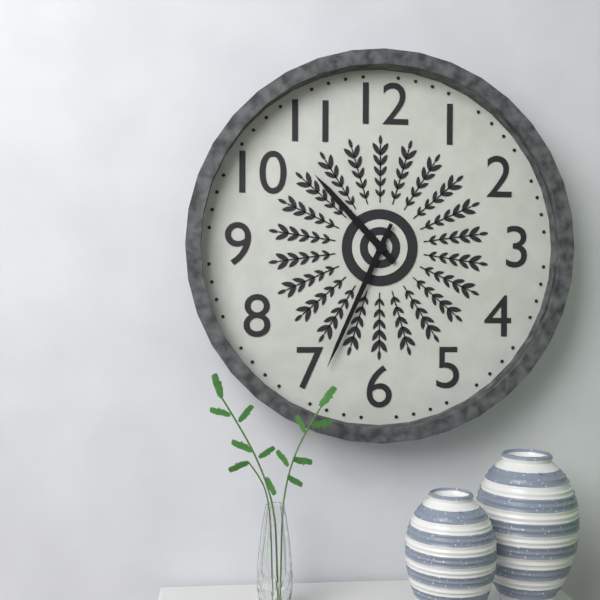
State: h=10 m=34
